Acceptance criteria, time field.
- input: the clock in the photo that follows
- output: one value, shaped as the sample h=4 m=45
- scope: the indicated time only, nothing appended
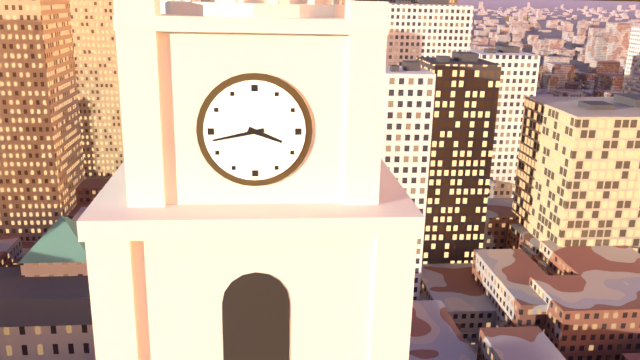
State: h=3 m=43
